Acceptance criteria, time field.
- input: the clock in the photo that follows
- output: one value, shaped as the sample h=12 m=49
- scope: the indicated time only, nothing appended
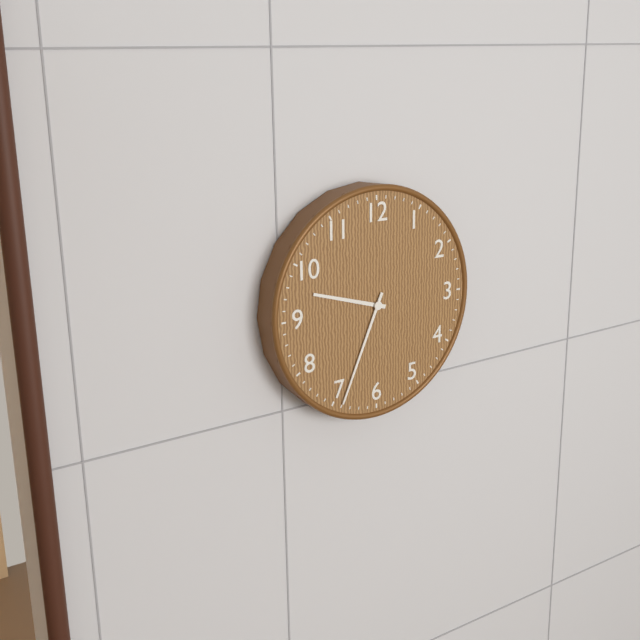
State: h=9 m=34
